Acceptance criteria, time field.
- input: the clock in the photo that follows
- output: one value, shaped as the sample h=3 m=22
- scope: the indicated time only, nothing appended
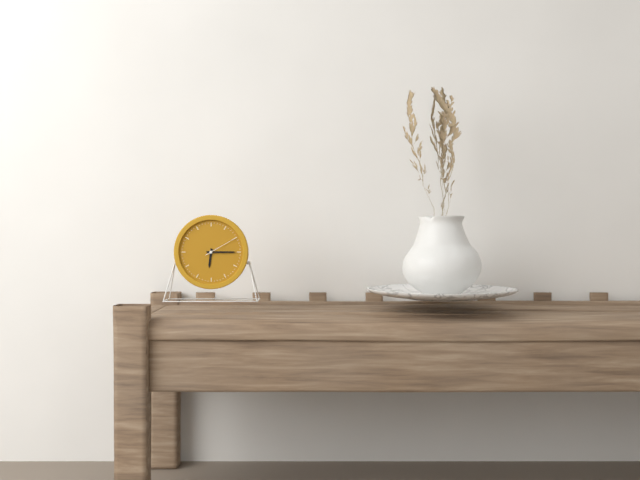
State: h=6 m=15
